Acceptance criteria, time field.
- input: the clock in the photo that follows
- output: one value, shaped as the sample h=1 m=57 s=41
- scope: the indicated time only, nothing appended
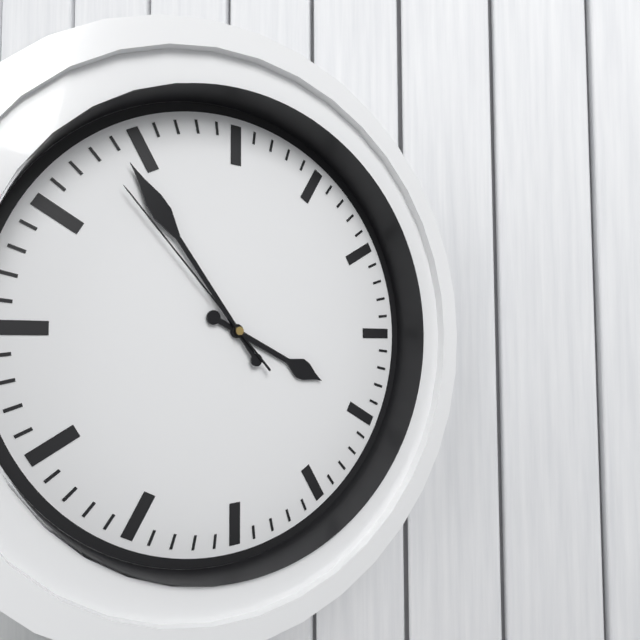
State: h=3 m=54 s=53
